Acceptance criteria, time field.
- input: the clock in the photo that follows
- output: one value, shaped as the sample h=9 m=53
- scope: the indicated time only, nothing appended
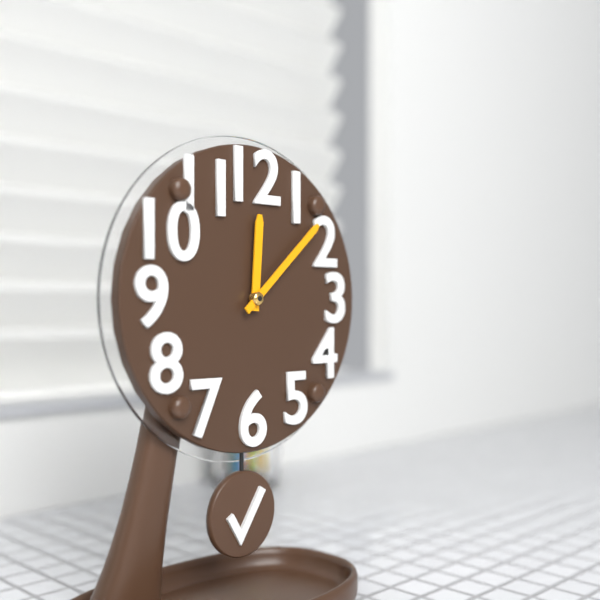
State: h=12 m=8
